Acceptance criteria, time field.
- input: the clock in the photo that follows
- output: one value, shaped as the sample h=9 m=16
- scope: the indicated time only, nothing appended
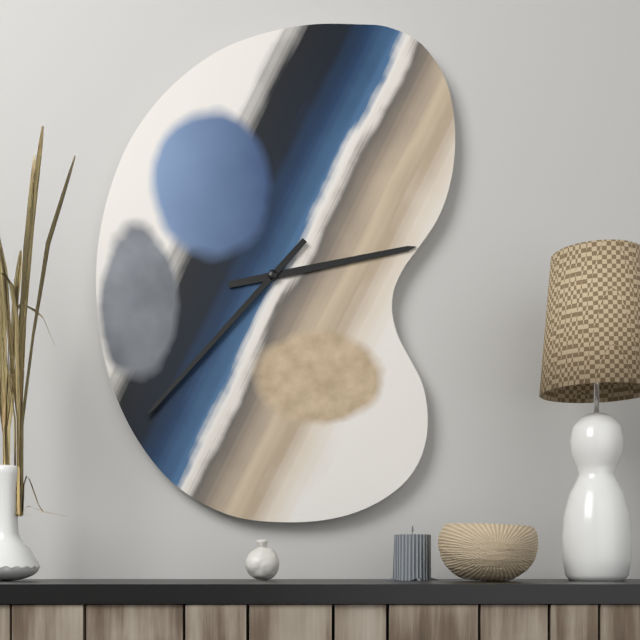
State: h=2 m=37
